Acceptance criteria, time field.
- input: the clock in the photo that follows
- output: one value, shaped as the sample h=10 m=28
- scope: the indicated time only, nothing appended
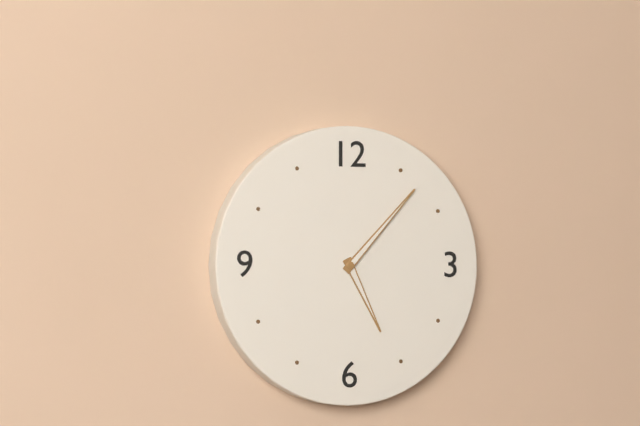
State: h=5 m=7
